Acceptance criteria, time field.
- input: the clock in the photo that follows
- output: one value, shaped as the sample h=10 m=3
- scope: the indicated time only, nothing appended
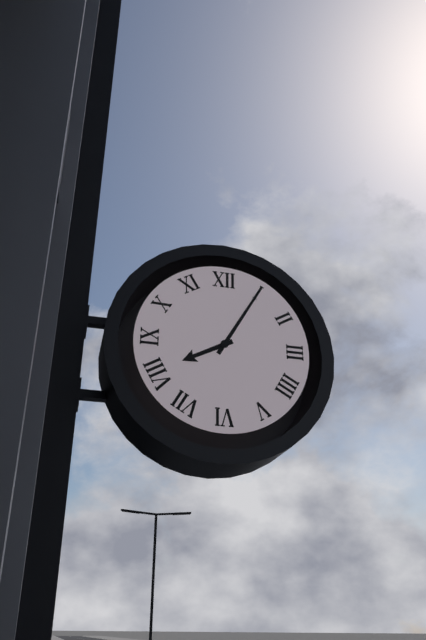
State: h=8 m=5
